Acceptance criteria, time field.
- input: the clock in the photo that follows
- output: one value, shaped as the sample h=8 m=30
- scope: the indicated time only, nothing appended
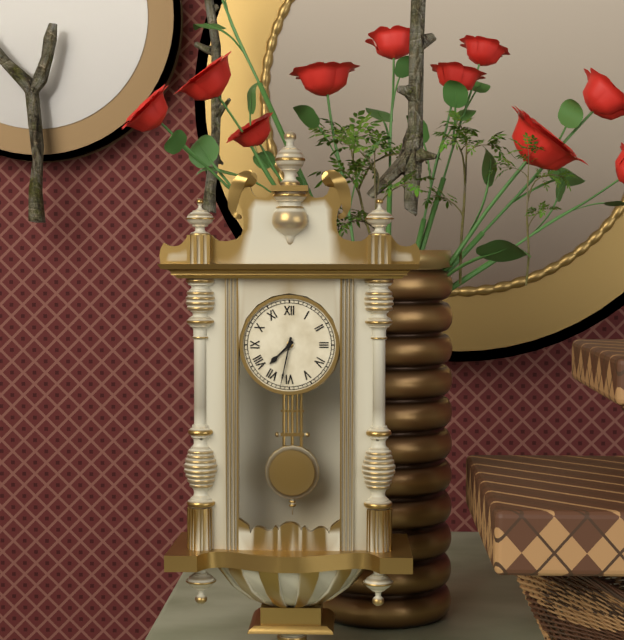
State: h=7 m=32
